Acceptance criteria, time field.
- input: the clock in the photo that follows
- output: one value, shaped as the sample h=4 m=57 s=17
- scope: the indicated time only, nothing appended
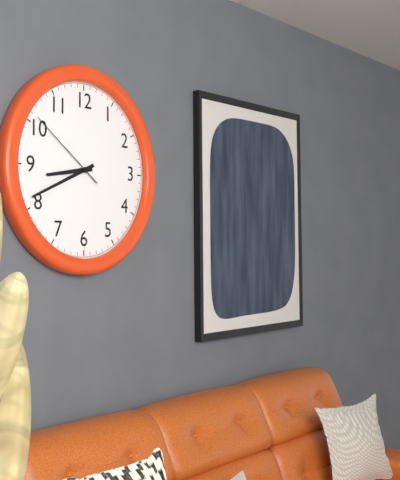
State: h=8 m=41 s=51
